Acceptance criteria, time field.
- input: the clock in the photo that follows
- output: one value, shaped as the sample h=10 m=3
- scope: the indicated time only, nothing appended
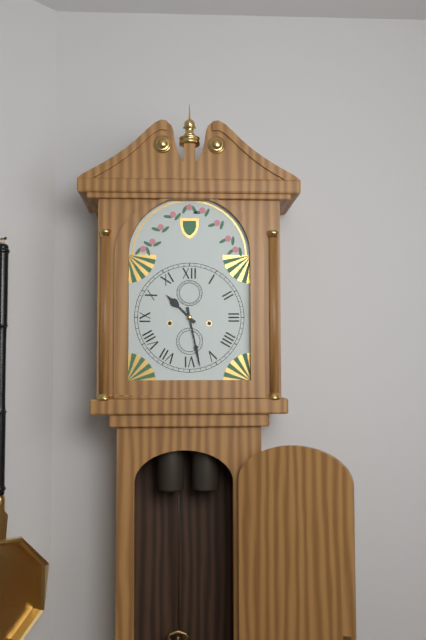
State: h=10 m=28
